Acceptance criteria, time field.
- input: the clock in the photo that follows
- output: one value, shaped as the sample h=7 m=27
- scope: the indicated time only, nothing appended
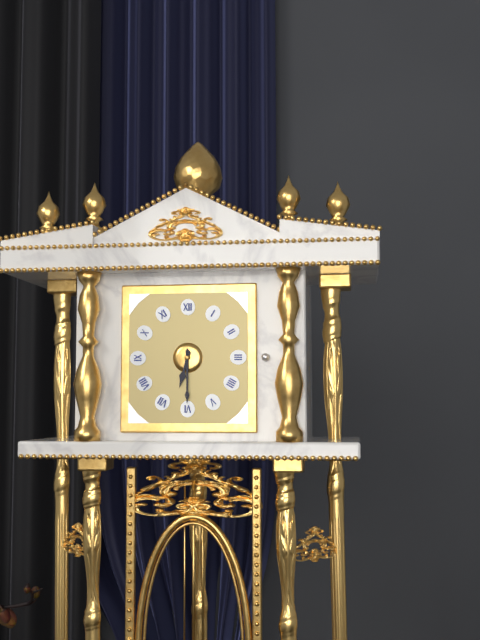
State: h=6 m=30
